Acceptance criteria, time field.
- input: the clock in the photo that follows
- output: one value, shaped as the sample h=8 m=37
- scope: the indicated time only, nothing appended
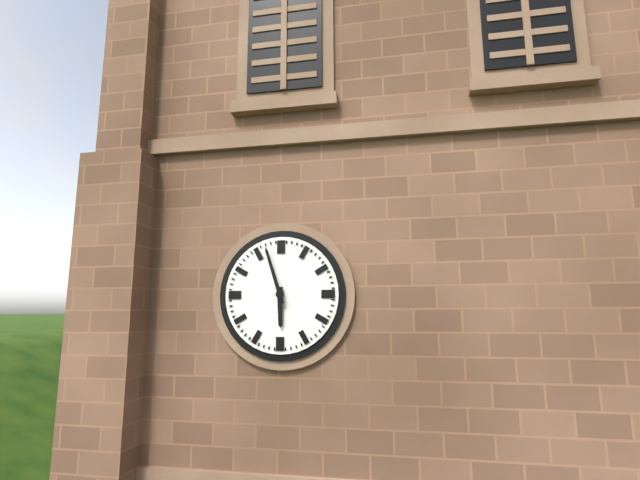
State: h=5 m=57
